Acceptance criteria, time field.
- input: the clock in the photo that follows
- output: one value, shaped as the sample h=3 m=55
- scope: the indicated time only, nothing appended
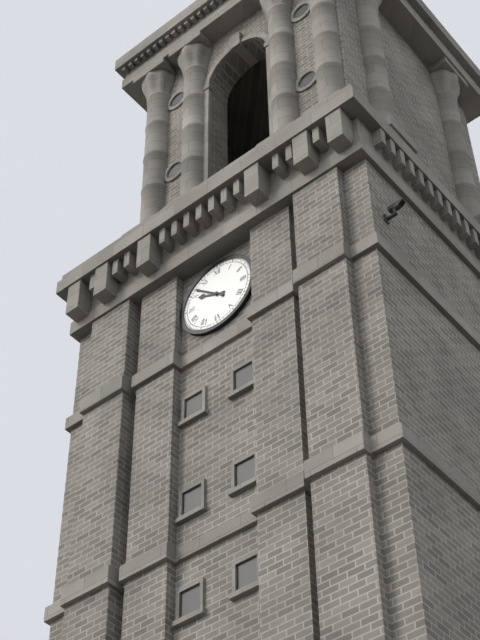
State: h=9 m=52
